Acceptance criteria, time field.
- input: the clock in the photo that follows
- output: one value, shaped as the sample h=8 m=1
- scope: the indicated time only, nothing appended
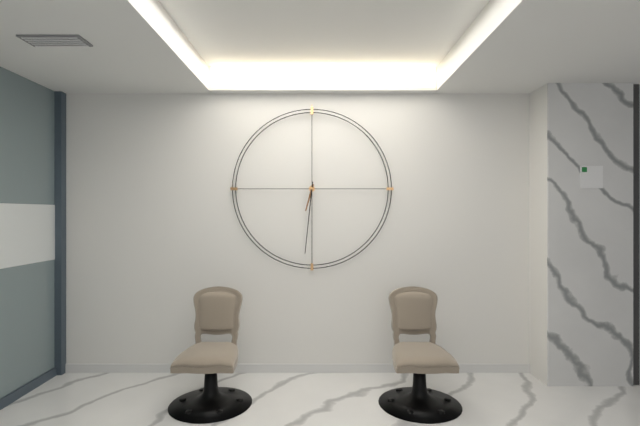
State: h=6 m=31
